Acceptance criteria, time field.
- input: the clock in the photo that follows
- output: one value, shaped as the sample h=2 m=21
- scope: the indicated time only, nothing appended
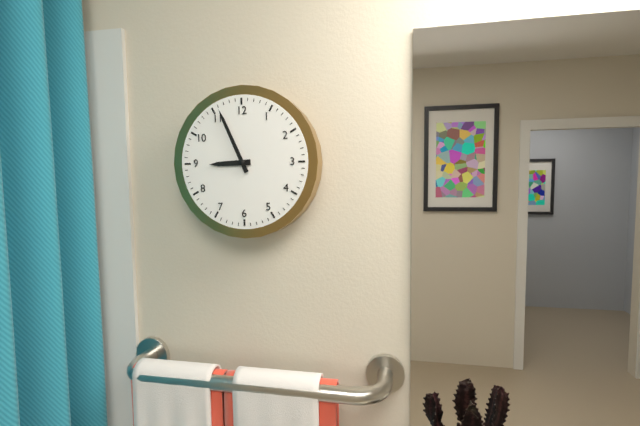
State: h=8 m=56
